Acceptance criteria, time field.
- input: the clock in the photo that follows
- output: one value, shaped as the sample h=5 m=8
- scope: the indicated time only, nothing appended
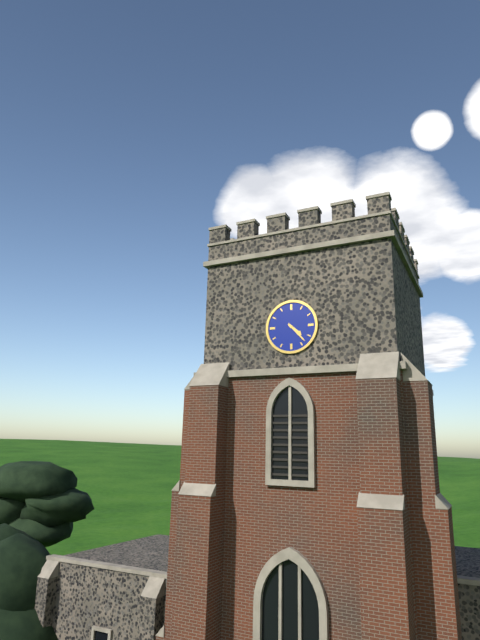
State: h=4 m=23
